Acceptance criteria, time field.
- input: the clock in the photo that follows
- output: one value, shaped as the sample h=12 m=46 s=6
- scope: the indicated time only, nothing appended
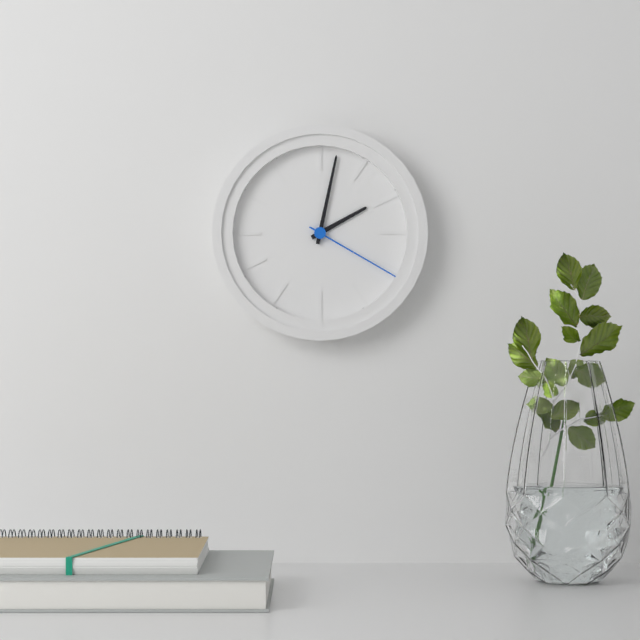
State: h=2 m=2 s=20
